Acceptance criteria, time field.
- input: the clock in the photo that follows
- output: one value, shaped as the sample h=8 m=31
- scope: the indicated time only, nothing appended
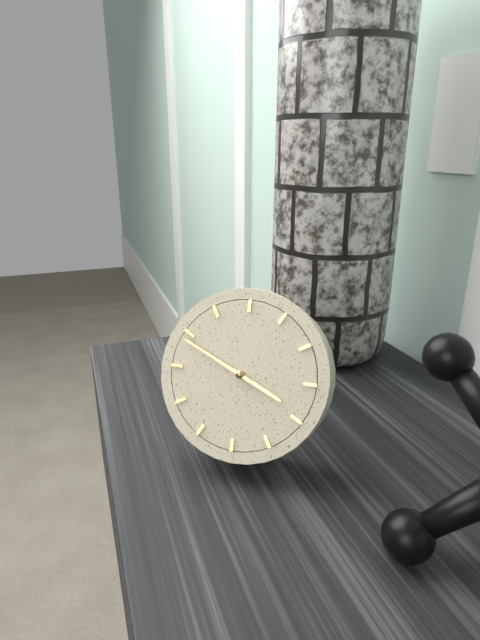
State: h=3 m=49
